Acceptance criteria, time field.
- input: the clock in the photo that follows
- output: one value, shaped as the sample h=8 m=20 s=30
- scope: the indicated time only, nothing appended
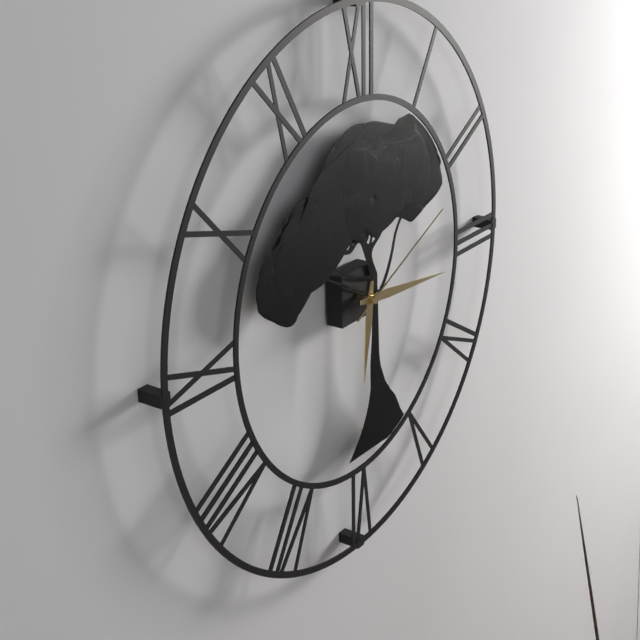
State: h=6 m=16 s=11
